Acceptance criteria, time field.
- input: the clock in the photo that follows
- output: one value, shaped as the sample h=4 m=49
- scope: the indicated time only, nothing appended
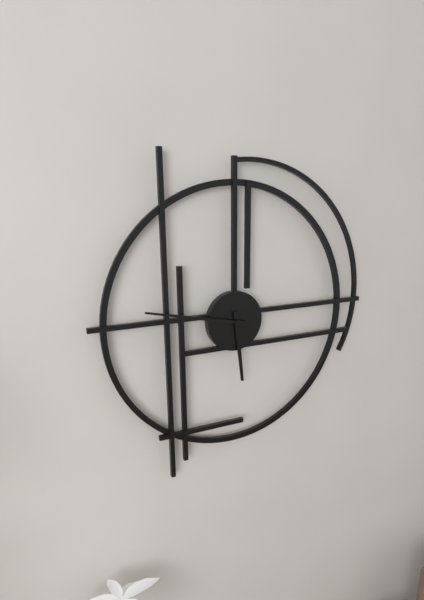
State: h=5 m=47
